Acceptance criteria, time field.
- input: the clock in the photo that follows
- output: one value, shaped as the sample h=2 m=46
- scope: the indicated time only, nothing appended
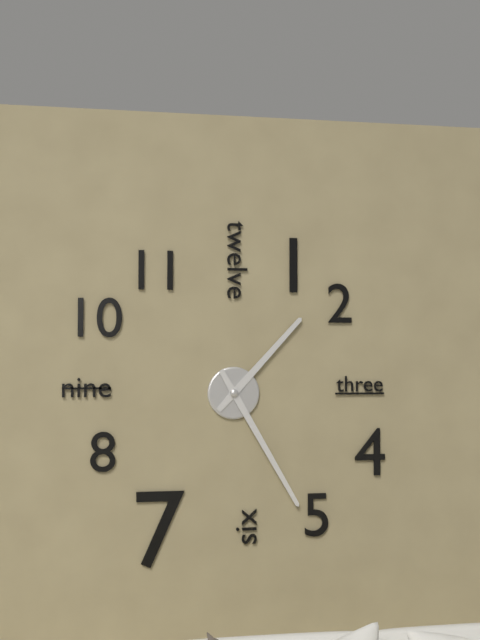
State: h=1 m=25
